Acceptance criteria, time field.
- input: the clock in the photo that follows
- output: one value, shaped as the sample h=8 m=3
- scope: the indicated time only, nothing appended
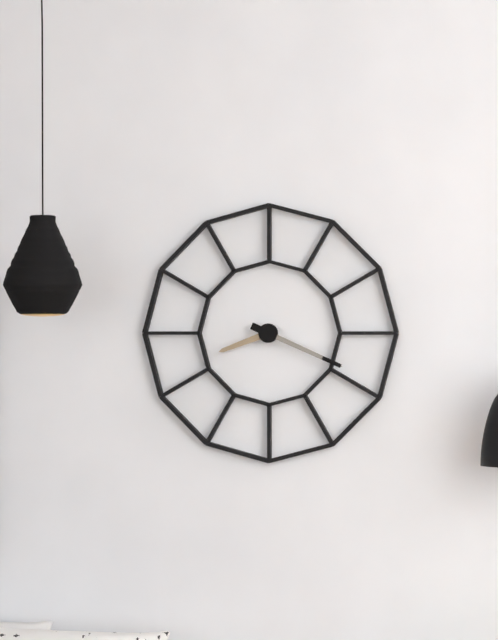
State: h=8 m=19
